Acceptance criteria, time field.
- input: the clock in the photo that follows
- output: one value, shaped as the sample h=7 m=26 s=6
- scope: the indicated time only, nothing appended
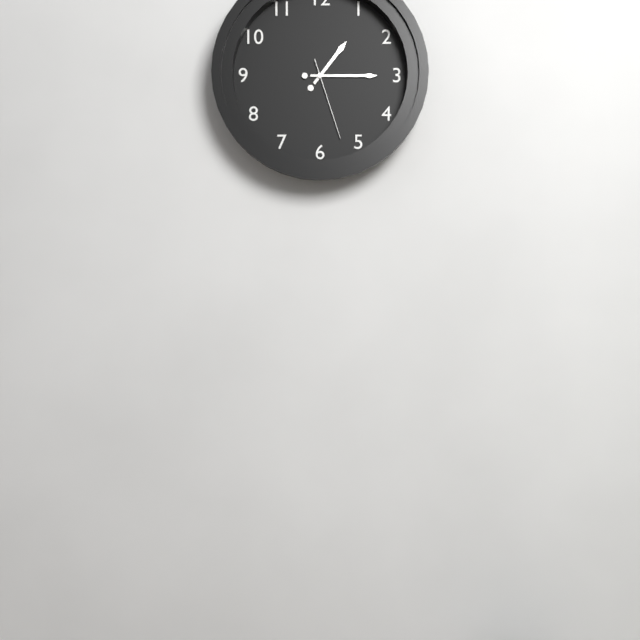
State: h=1 m=15 s=27
